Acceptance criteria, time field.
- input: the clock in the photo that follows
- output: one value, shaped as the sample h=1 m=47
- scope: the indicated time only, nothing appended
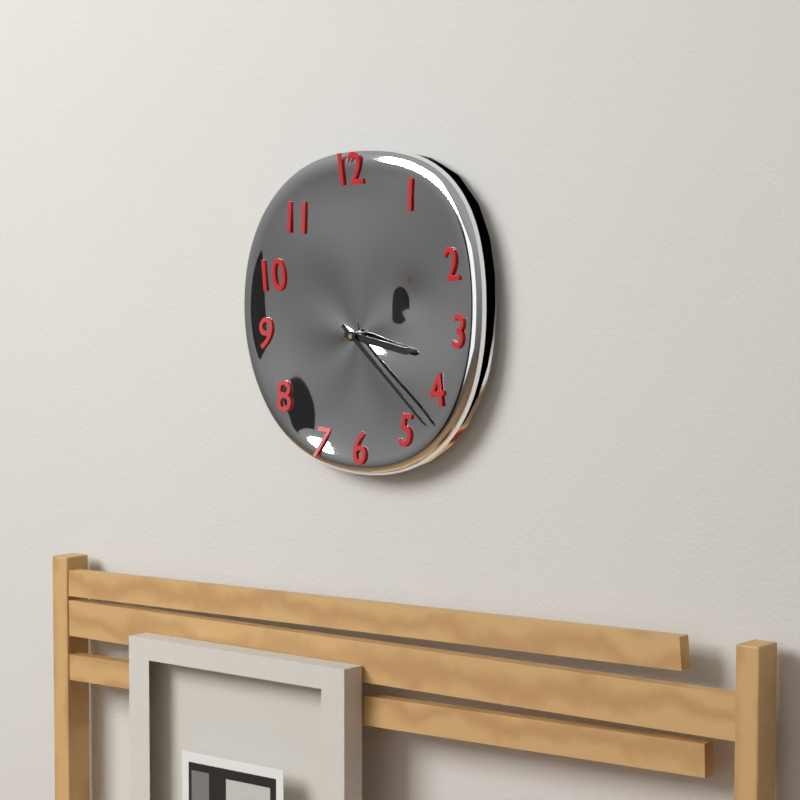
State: h=3 m=22
